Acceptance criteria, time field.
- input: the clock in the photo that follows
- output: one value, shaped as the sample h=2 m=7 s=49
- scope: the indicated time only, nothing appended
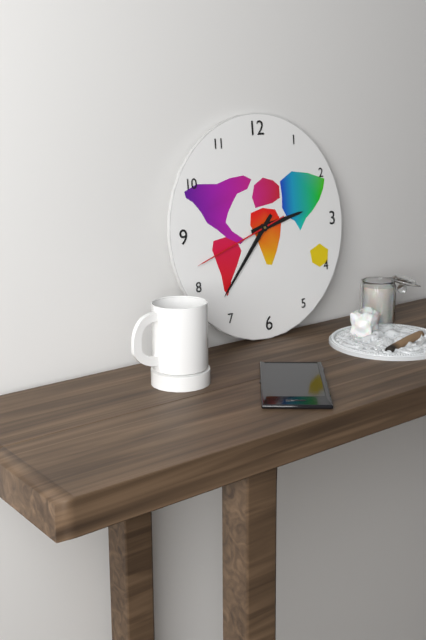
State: h=2 m=37 s=42
